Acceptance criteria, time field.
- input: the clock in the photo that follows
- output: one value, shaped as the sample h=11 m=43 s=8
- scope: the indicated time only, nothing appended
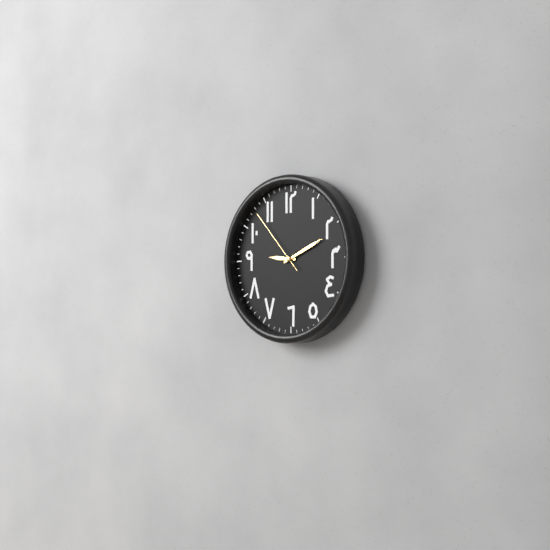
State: h=9 m=11 s=53
